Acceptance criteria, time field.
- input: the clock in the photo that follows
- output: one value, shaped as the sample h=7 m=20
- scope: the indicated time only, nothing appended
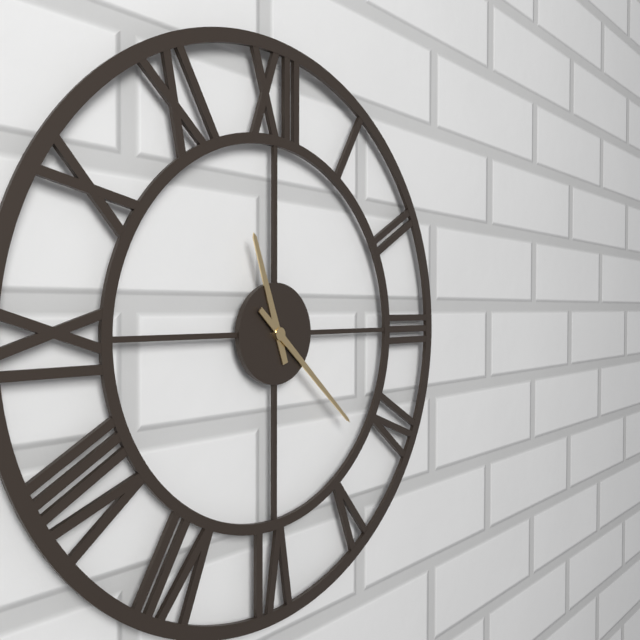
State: h=11 m=22
